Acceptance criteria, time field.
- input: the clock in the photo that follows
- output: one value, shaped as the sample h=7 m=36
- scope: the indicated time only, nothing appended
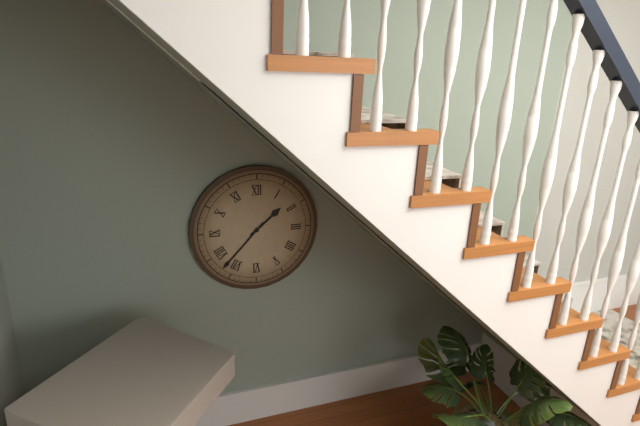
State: h=1 m=37
